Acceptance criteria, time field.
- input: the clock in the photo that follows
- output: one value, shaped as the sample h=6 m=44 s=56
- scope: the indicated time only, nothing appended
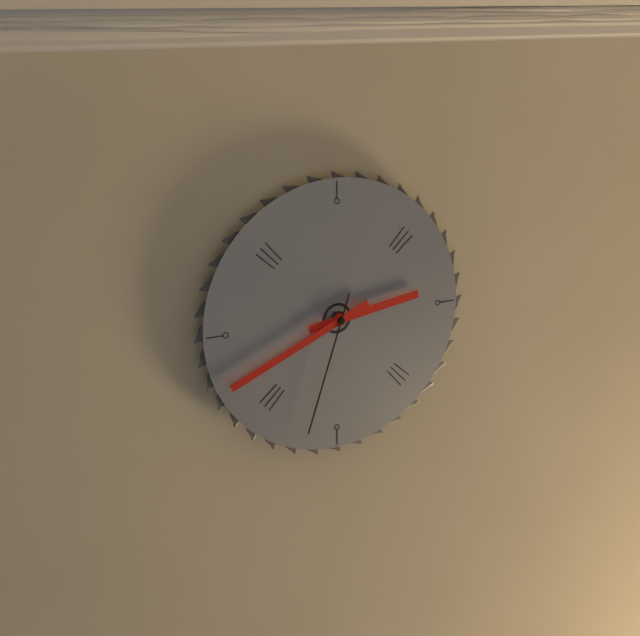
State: h=2 m=41 s=33
